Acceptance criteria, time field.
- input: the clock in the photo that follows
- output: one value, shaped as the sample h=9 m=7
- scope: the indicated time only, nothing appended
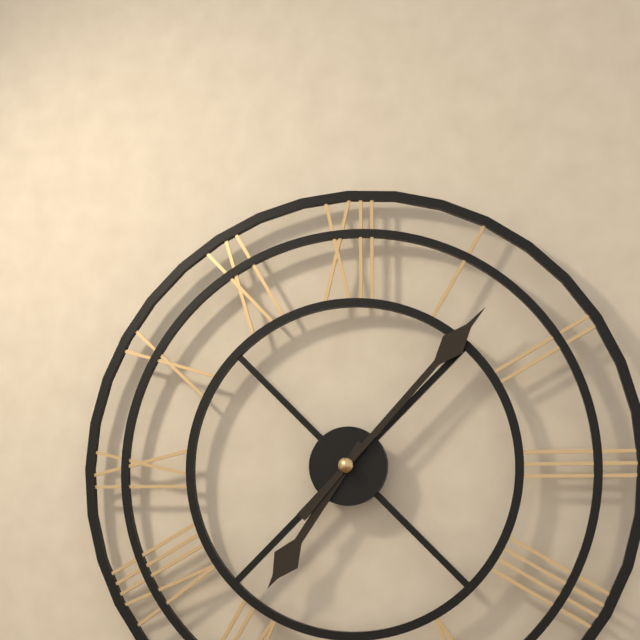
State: h=7 m=7
